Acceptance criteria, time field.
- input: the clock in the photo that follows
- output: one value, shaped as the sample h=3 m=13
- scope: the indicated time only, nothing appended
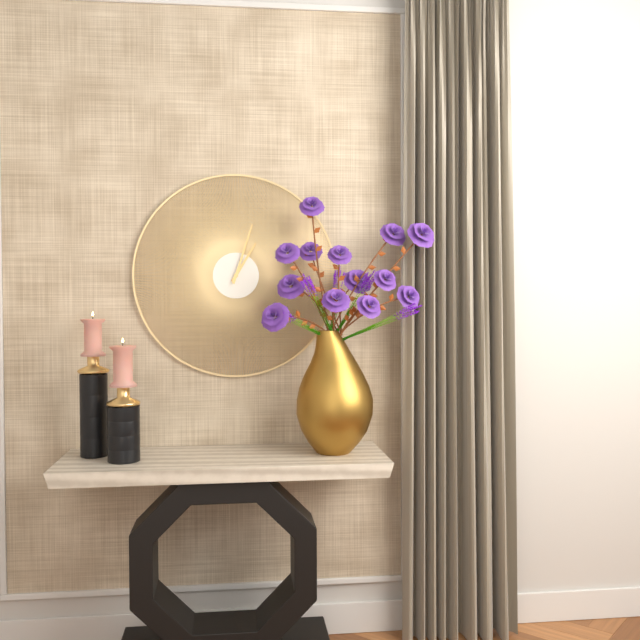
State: h=1 m=3
